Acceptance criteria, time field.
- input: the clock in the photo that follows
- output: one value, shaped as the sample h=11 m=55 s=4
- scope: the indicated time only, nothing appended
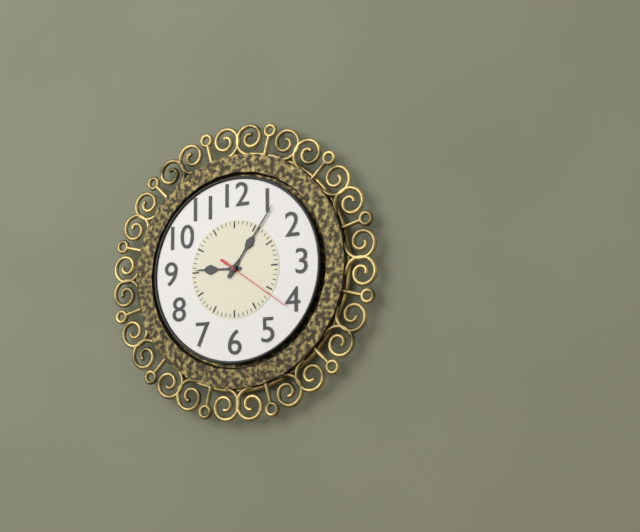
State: h=9 m=6 s=21
